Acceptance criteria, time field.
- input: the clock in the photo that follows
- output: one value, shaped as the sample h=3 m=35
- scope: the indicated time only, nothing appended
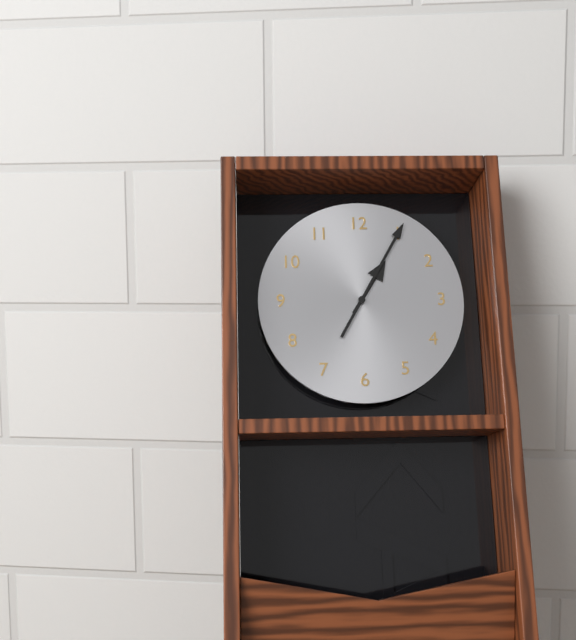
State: h=1 m=5
